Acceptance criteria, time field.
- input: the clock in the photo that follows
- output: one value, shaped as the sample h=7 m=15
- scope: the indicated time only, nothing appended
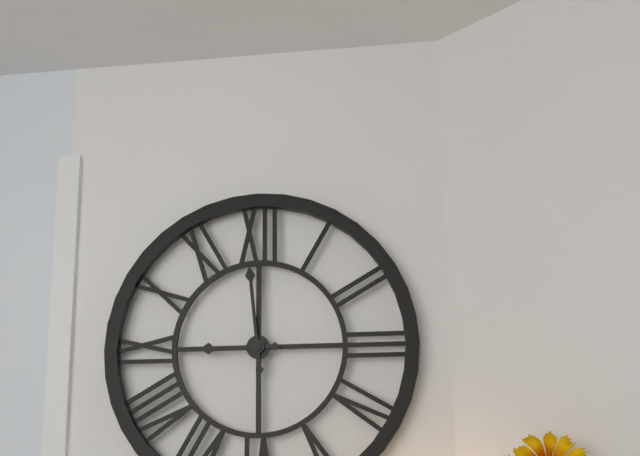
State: h=8 m=59
